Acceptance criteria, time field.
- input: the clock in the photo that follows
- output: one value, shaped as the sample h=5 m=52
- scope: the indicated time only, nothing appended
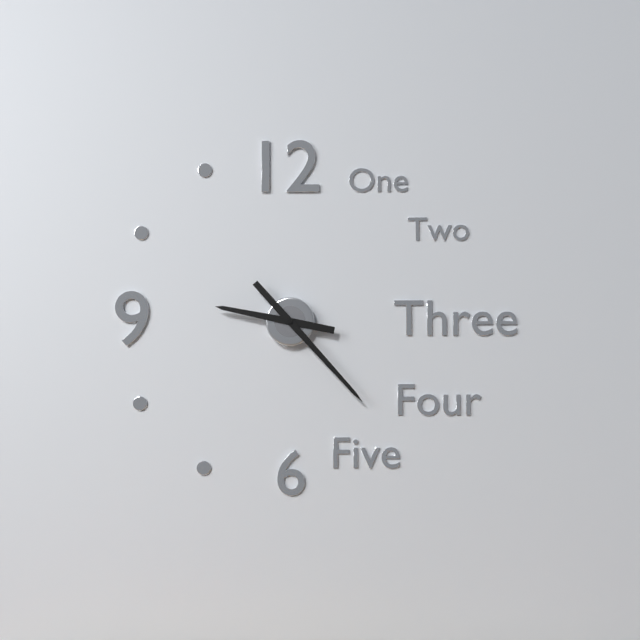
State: h=9 m=23
